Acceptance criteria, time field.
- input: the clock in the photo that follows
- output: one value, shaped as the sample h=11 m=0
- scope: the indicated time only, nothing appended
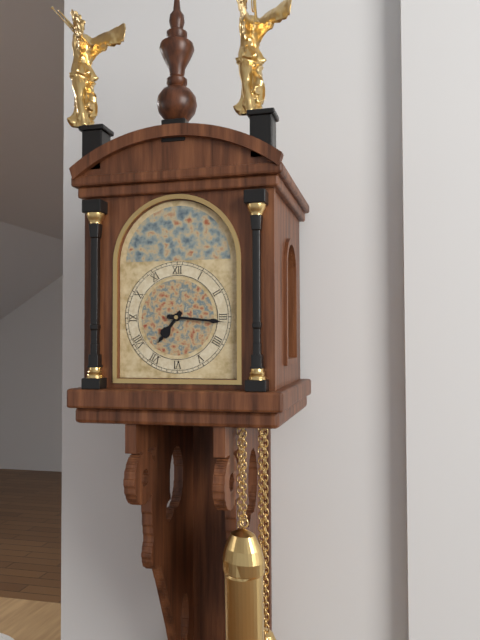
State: h=7 m=16
